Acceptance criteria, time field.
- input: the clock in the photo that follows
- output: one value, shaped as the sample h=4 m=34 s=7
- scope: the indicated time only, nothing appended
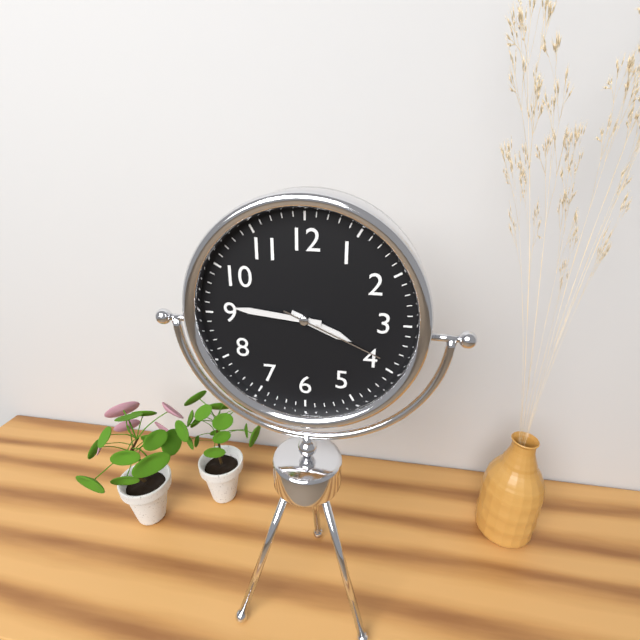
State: h=3 m=46 s=19
